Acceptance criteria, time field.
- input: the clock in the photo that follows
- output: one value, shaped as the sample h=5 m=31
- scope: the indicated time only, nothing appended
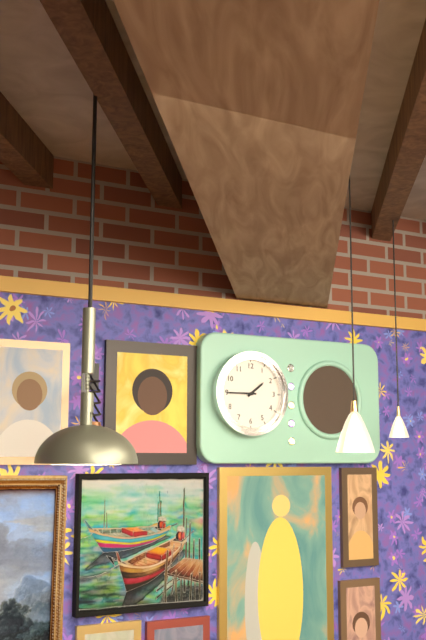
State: h=1 m=45
